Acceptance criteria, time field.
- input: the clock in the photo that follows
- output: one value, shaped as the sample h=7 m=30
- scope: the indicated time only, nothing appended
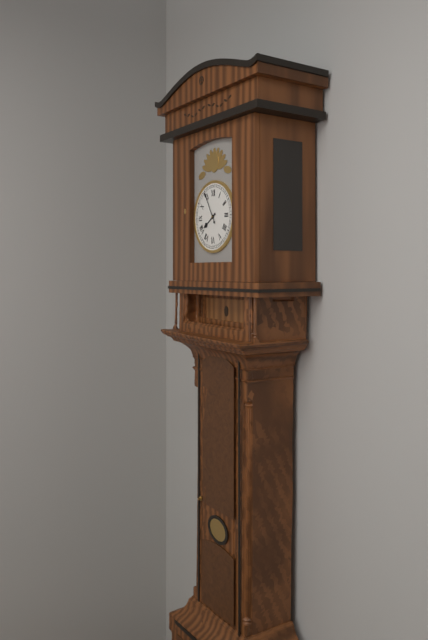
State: h=7 m=55
